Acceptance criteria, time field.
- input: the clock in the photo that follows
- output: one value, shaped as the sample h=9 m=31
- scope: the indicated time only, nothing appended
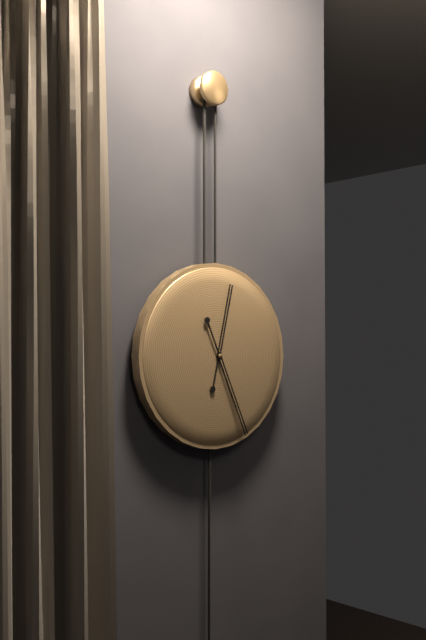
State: h=12 m=26
